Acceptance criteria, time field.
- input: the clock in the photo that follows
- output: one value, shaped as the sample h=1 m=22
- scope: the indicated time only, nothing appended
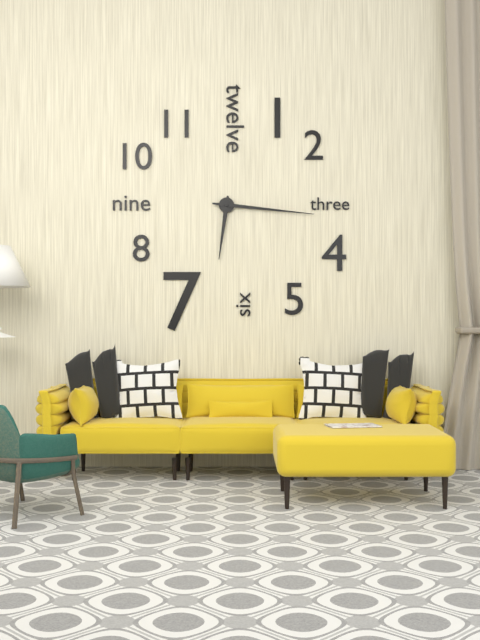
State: h=6 m=16
